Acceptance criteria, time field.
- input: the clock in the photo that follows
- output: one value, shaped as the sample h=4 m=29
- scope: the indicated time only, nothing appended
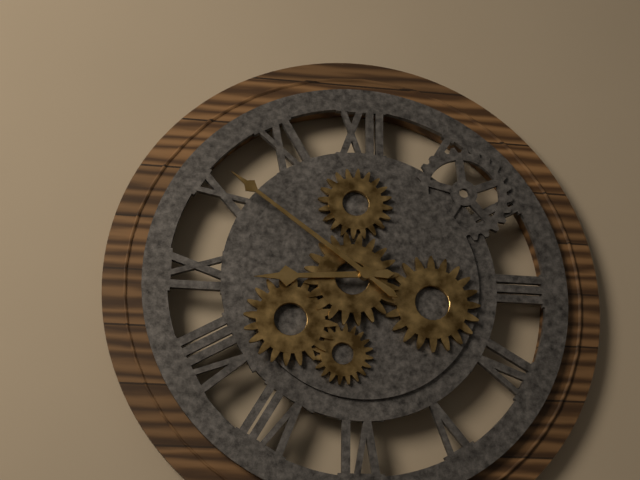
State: h=8 m=51
